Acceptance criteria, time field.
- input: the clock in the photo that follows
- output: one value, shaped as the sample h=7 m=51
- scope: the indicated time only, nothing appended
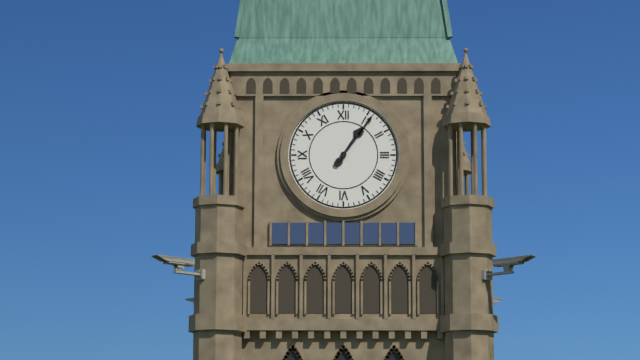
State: h=1 m=6
